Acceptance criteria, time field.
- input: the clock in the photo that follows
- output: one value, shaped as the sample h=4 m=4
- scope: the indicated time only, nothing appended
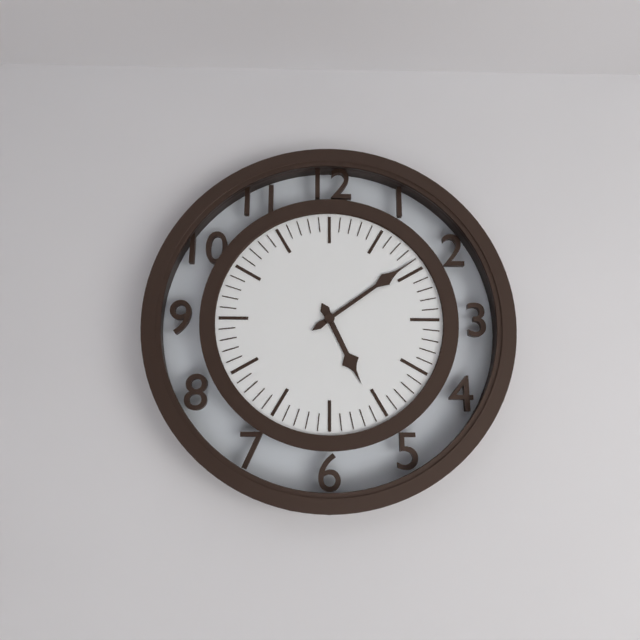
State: h=5 m=9
